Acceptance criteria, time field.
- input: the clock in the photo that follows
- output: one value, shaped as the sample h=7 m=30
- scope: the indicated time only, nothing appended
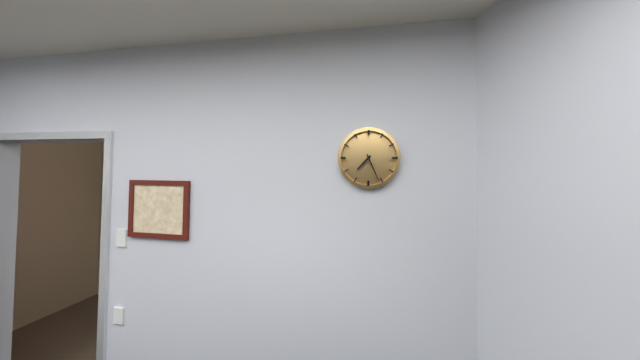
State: h=7 m=26
